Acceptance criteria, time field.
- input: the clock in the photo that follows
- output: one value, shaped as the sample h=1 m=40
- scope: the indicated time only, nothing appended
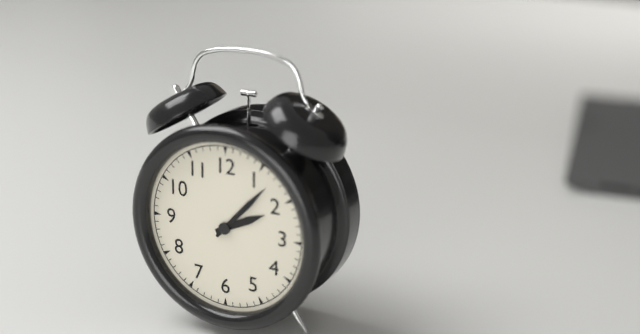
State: h=2 m=7
